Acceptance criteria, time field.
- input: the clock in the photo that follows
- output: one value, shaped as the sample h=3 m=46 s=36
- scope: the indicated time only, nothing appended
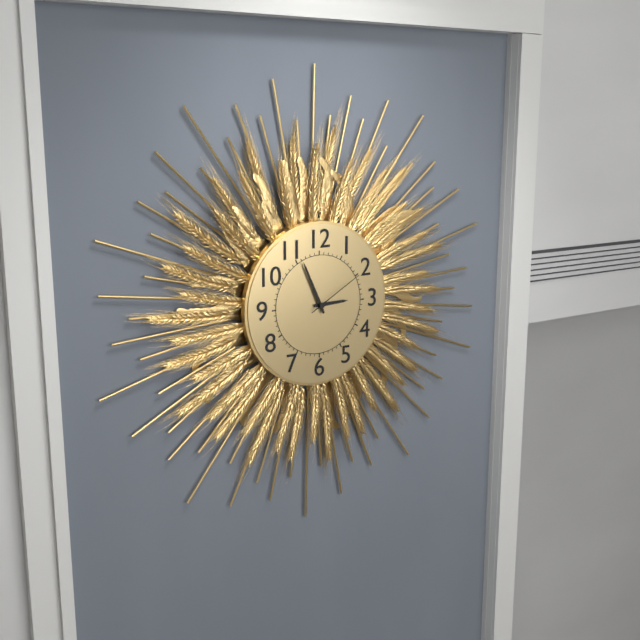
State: h=2 m=56 s=10
